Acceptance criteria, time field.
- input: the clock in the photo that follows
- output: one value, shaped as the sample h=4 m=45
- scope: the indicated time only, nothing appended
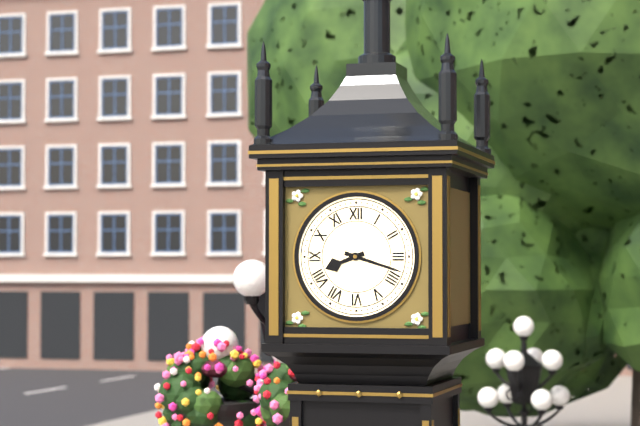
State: h=8 m=18
